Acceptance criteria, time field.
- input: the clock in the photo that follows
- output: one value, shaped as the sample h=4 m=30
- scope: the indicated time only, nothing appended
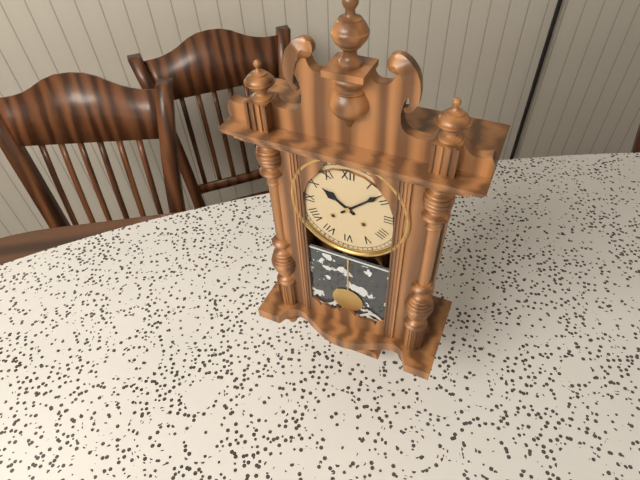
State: h=10 m=8
